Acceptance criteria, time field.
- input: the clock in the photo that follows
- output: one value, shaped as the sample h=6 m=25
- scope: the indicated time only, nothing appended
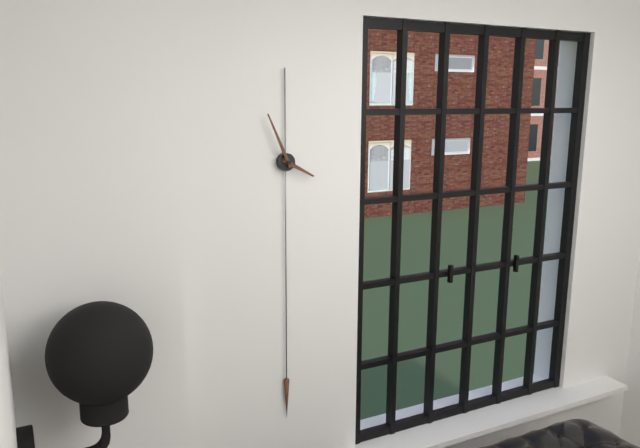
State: h=3 m=56
